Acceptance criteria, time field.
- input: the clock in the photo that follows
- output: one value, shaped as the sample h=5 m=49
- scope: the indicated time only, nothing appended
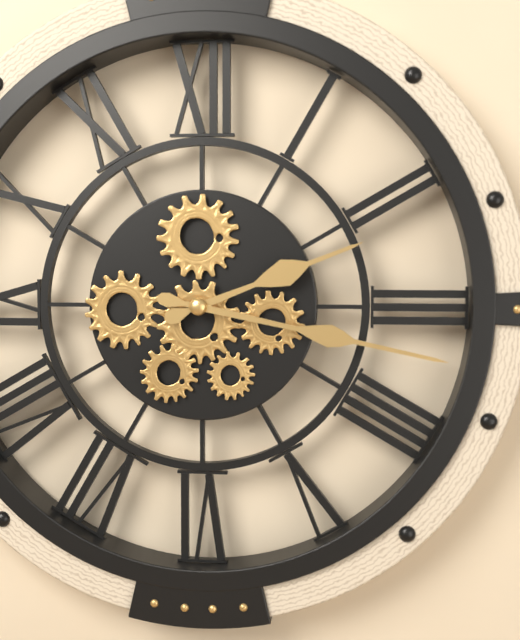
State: h=2 m=17
